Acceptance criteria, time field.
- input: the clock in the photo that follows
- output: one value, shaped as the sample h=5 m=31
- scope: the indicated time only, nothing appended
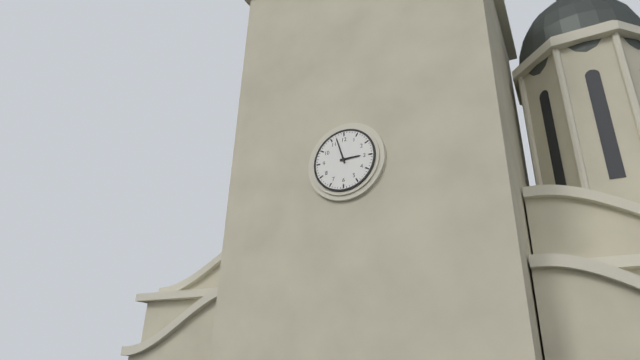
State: h=2 m=57
